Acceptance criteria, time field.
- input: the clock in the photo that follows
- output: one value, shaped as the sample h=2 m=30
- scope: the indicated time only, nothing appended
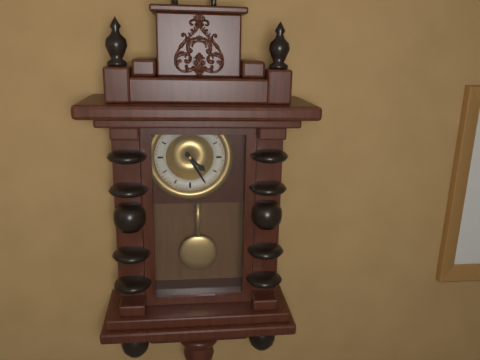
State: h=4 m=25
